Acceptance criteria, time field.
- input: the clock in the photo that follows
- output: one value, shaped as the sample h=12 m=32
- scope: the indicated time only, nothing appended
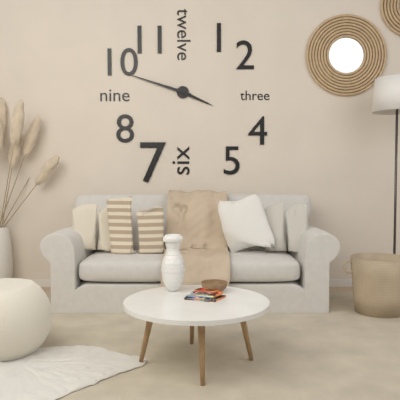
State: h=3 m=48
